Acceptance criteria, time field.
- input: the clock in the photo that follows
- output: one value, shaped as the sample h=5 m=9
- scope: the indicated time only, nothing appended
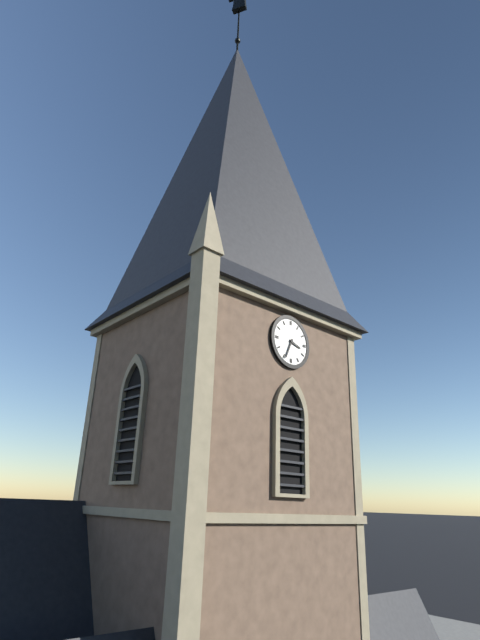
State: h=3 m=34
